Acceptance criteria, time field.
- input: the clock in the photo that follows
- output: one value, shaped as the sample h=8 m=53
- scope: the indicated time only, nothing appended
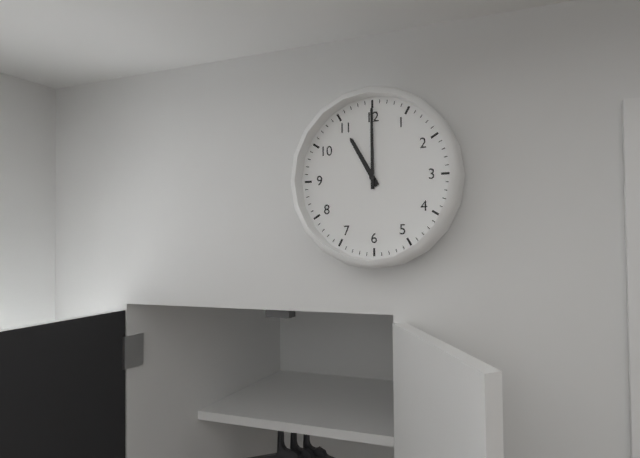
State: h=11 m=0
